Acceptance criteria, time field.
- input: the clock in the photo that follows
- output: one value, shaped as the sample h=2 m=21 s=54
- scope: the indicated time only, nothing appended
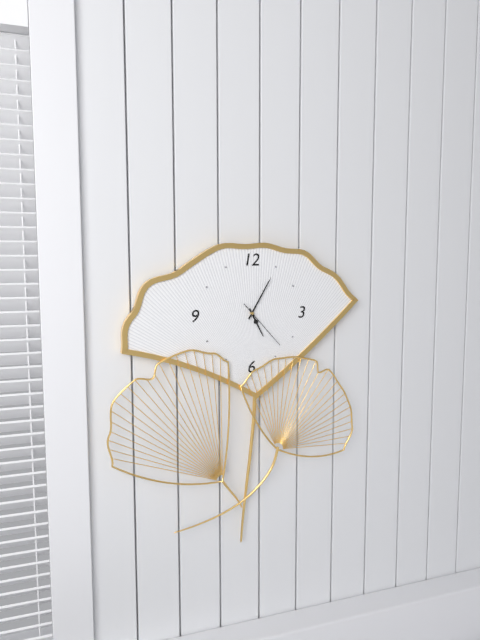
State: h=5 m=5 s=23
